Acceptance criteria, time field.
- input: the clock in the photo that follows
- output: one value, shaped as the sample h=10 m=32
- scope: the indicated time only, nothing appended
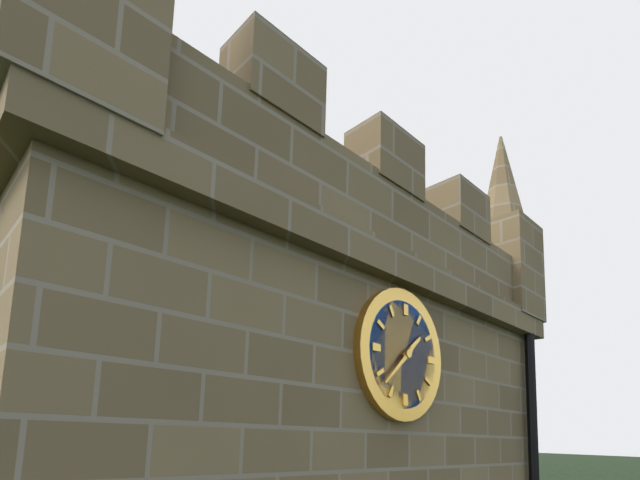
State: h=1 m=38
